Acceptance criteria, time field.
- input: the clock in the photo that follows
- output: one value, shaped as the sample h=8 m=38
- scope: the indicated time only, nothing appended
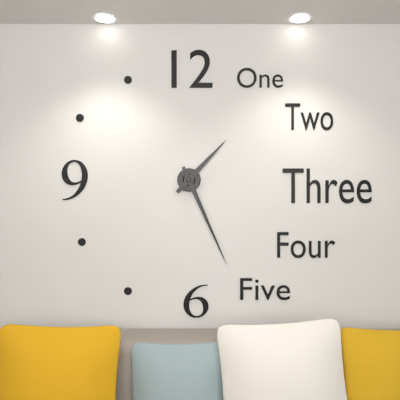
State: h=1 m=26
